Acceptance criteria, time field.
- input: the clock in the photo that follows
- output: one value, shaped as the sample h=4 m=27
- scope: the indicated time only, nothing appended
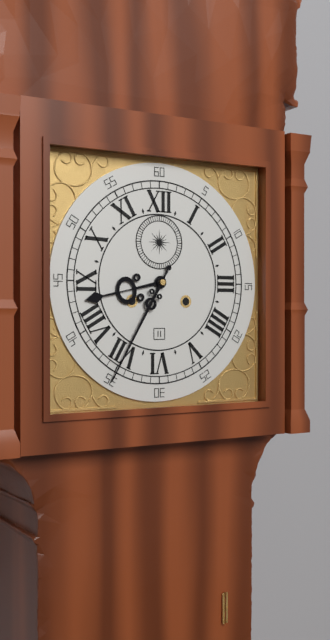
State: h=8 m=35
